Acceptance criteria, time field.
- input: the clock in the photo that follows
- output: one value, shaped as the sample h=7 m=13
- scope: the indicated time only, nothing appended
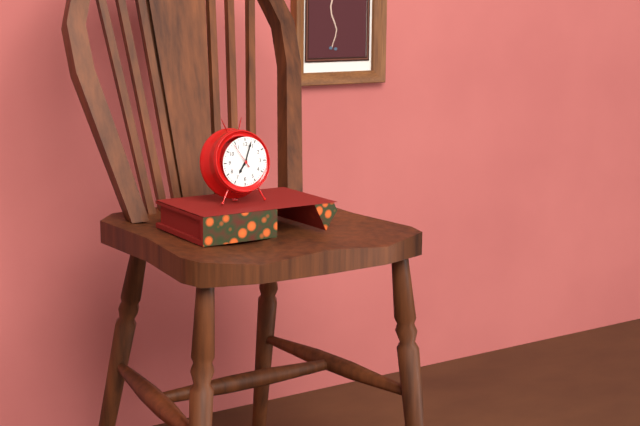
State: h=7 m=3
